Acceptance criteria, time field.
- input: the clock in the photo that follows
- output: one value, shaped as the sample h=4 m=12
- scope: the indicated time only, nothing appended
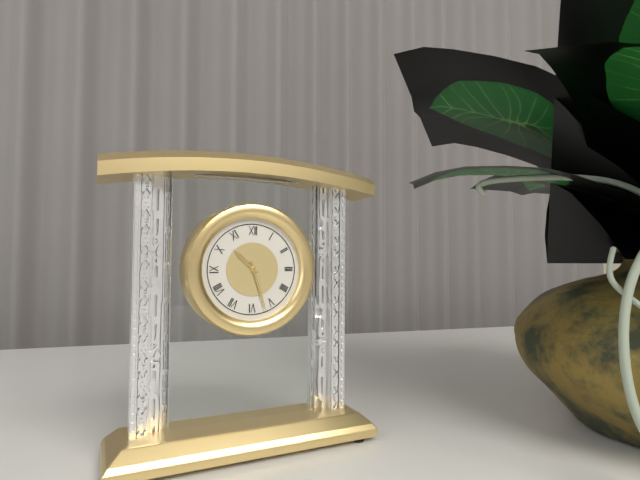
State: h=10 m=27
